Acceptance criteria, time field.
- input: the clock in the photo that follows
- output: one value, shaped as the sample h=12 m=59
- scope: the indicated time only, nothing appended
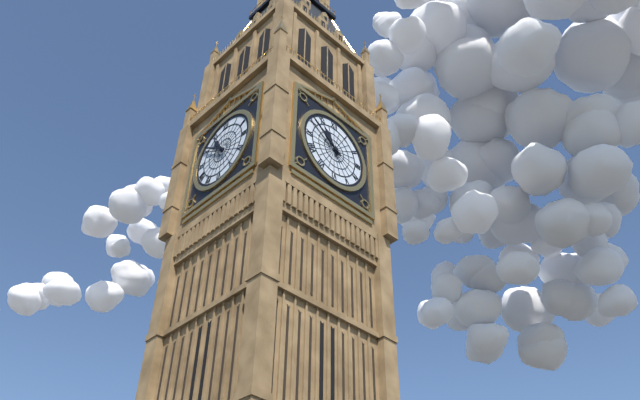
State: h=10 m=51
